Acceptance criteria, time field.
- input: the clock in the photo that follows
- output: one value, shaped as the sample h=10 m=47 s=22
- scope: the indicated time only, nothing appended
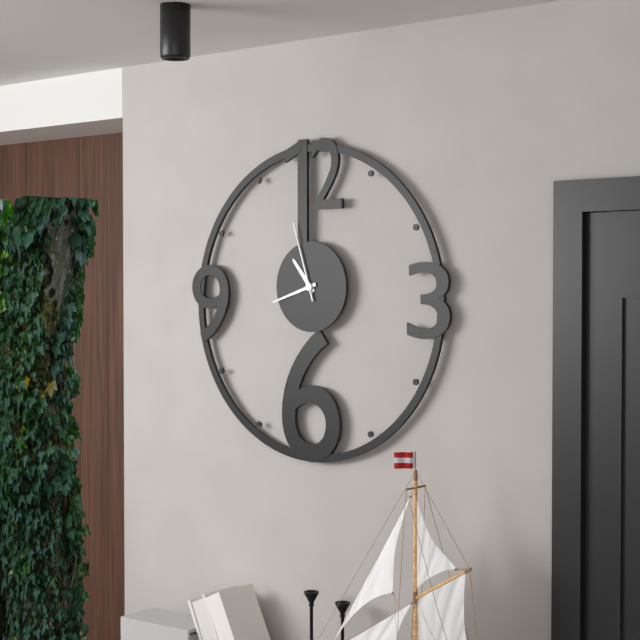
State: h=10 m=42 s=57
